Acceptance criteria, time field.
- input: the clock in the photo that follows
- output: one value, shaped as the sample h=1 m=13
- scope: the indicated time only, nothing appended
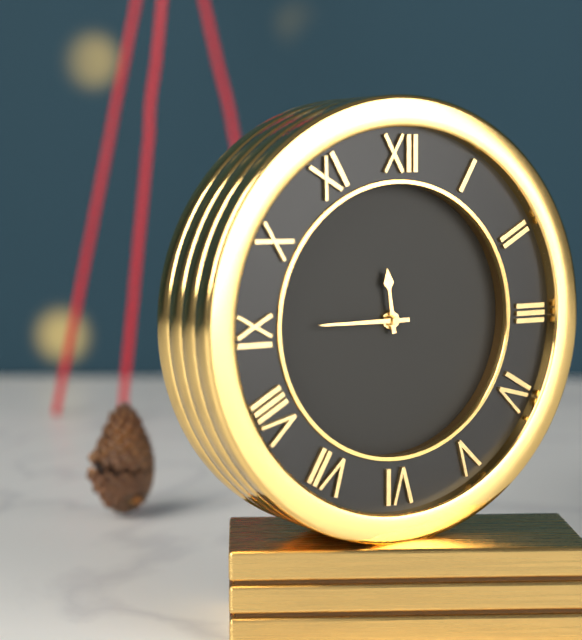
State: h=11 m=45
